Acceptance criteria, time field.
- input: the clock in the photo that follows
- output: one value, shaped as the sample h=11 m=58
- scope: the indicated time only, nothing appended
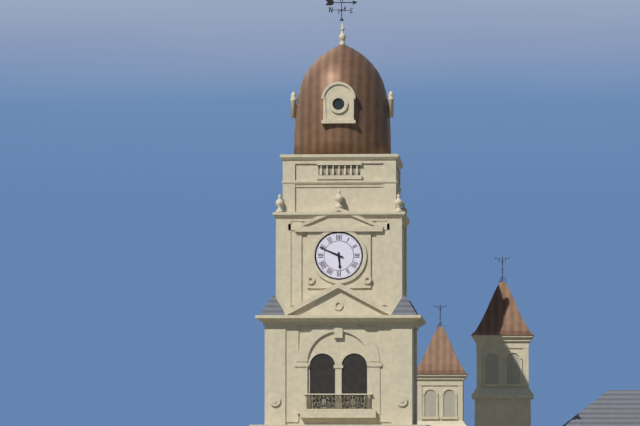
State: h=5 m=49
